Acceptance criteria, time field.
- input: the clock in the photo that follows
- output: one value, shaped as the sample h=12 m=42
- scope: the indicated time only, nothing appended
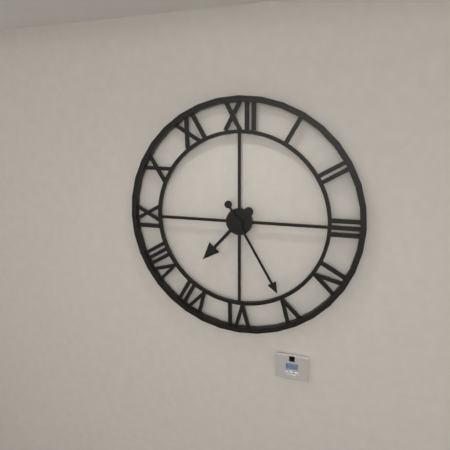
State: h=7 m=25
